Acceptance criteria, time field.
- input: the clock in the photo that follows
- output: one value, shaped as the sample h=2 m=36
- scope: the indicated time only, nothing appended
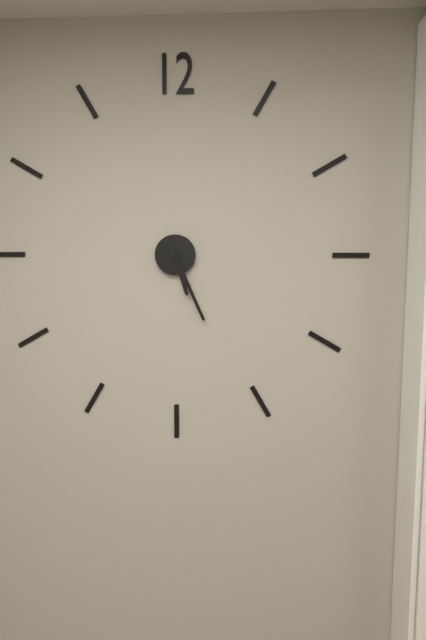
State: h=5 m=26
